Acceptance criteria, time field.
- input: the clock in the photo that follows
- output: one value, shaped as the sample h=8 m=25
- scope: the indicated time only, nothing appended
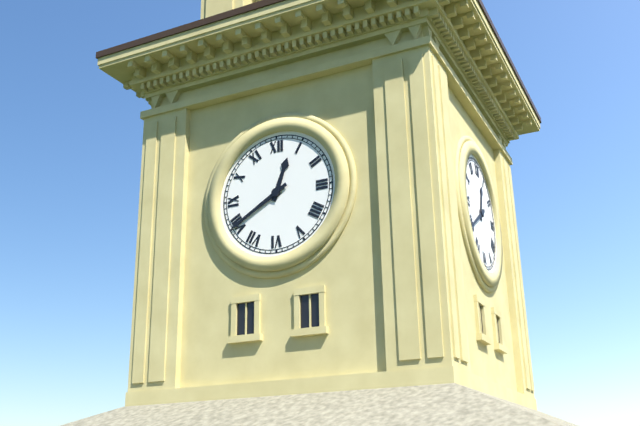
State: h=12 m=40
